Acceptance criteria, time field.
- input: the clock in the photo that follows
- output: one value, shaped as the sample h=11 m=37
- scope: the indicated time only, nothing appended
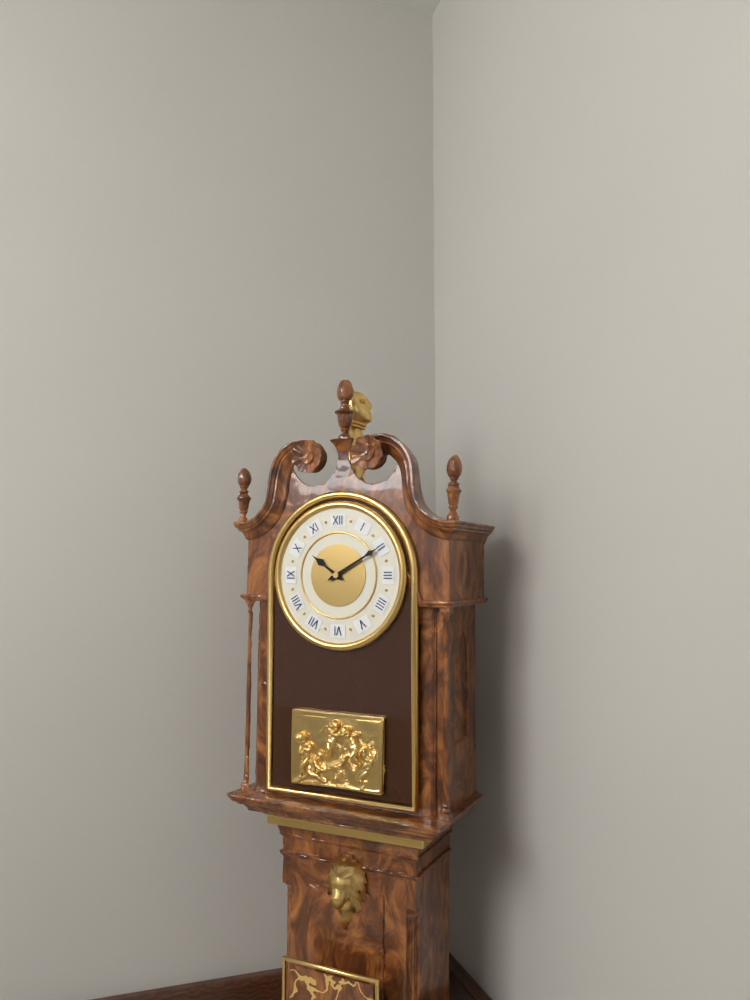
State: h=10 m=10
